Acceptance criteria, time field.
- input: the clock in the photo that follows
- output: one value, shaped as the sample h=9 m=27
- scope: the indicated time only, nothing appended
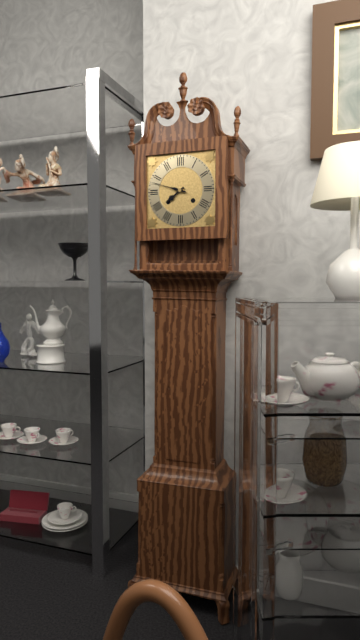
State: h=7 m=48
